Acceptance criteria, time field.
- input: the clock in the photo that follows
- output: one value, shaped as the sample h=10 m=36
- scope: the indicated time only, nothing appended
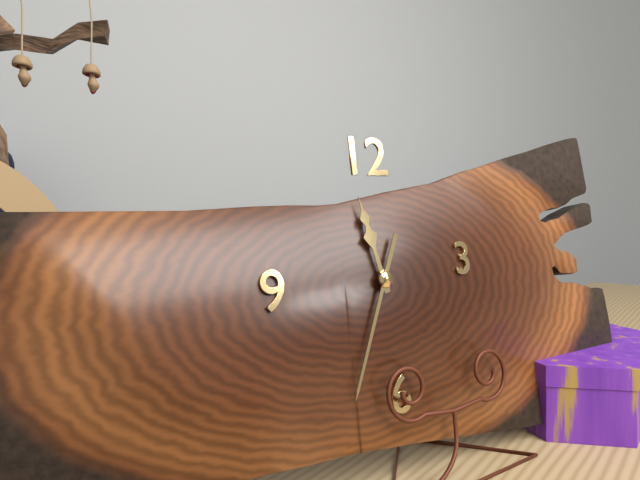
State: h=11 m=34
